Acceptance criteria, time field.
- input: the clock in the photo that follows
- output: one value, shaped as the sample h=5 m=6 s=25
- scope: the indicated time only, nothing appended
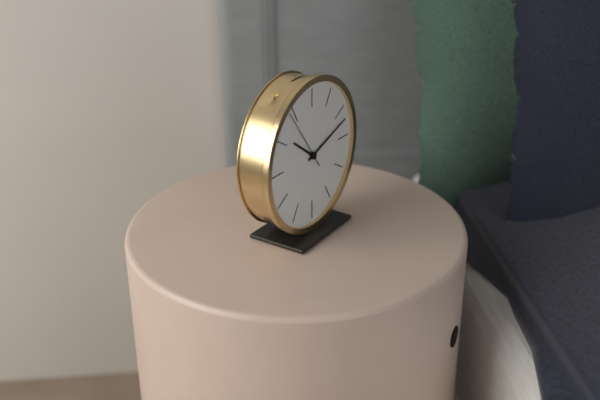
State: h=10 m=12 s=54
